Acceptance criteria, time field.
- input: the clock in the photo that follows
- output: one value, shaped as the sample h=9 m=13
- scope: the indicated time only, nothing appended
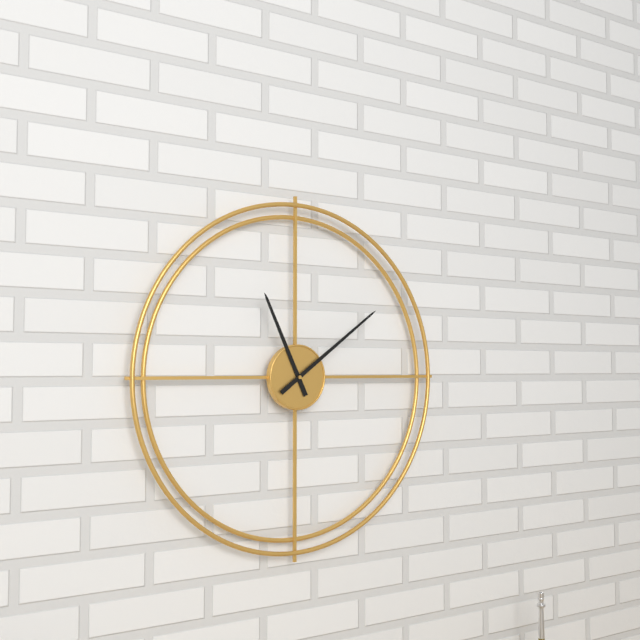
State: h=11 m=9
